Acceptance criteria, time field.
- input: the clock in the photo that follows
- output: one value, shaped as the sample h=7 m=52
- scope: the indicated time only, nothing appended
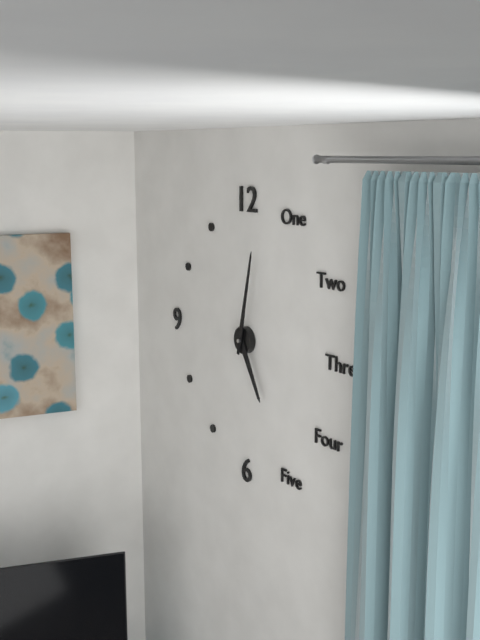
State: h=5 m=2
